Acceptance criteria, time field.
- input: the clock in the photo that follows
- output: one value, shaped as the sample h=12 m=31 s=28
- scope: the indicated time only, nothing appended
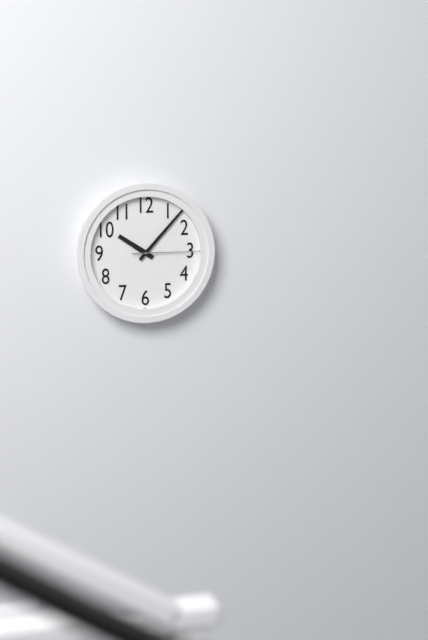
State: h=10 m=7 s=15
